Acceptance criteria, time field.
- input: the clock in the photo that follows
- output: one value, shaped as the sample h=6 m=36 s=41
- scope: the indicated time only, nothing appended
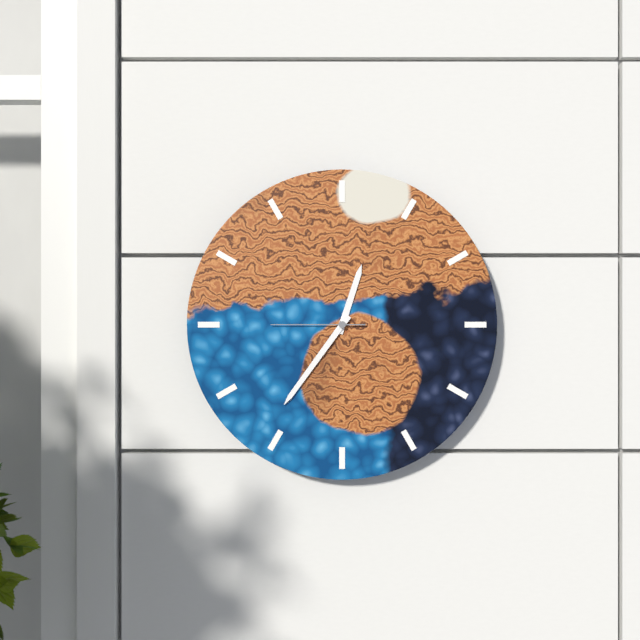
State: h=12 m=36 s=45
